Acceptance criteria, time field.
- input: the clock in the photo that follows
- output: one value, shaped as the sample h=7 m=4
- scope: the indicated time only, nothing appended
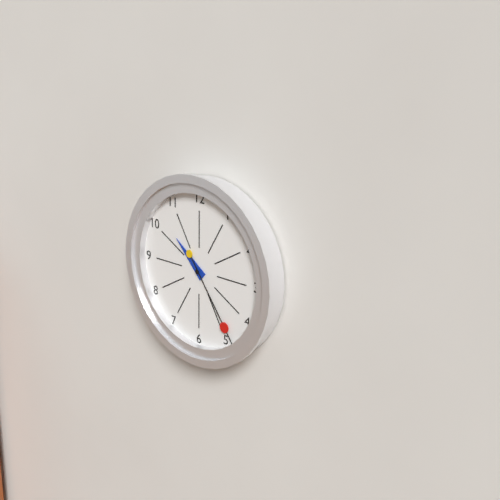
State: h=10 m=24
